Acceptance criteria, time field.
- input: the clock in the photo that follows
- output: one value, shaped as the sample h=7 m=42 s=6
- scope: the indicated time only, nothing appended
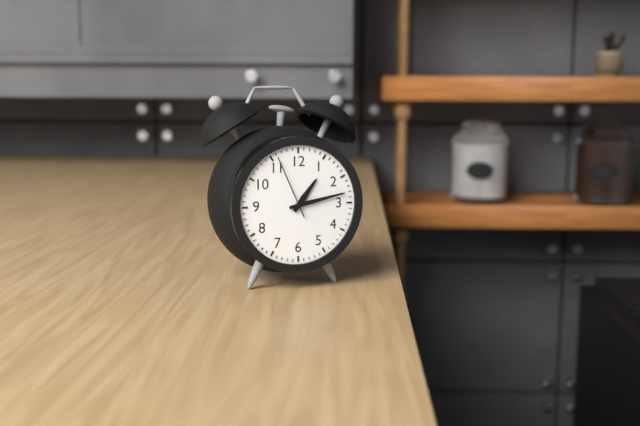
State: h=1 m=13 s=56
